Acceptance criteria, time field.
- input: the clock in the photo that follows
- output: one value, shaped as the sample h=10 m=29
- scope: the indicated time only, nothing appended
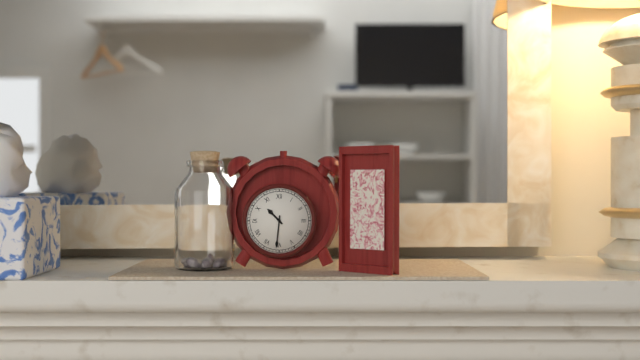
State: h=10 m=31
